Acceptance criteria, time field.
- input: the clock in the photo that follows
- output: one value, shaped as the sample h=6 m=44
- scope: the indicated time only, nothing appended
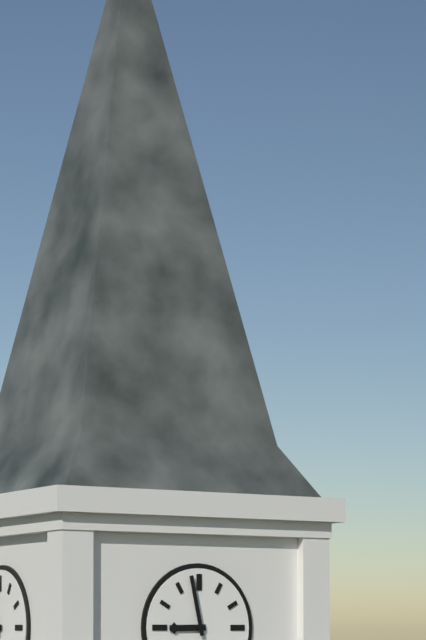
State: h=8 m=58
